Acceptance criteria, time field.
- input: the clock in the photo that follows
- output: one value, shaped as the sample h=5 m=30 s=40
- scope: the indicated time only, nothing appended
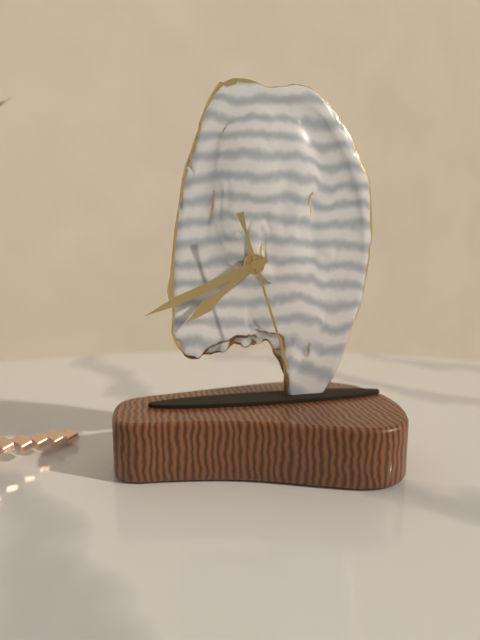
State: h=7 m=41 s=27
